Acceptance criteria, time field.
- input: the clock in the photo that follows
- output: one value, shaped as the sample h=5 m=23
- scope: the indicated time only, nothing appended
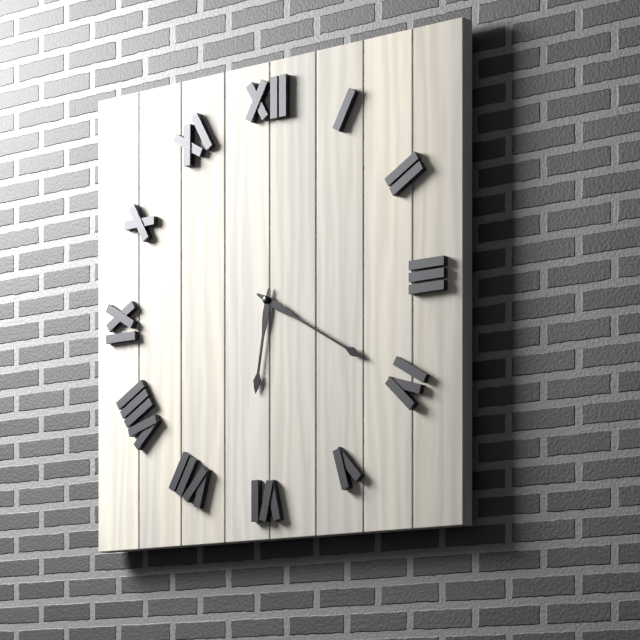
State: h=6 m=20
